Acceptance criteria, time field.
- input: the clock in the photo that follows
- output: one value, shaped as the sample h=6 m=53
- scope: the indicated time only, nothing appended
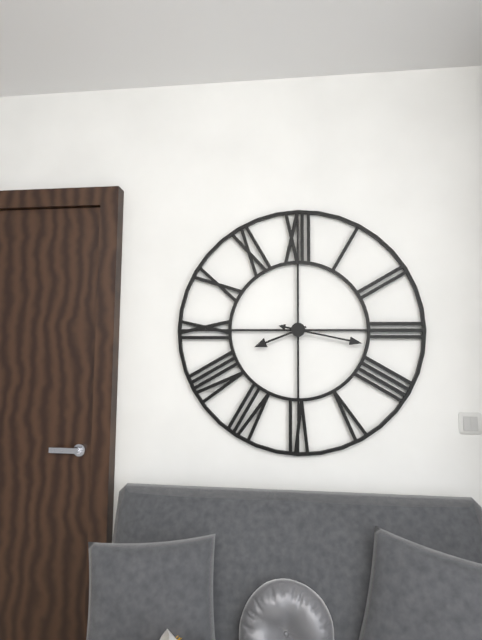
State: h=8 m=17
